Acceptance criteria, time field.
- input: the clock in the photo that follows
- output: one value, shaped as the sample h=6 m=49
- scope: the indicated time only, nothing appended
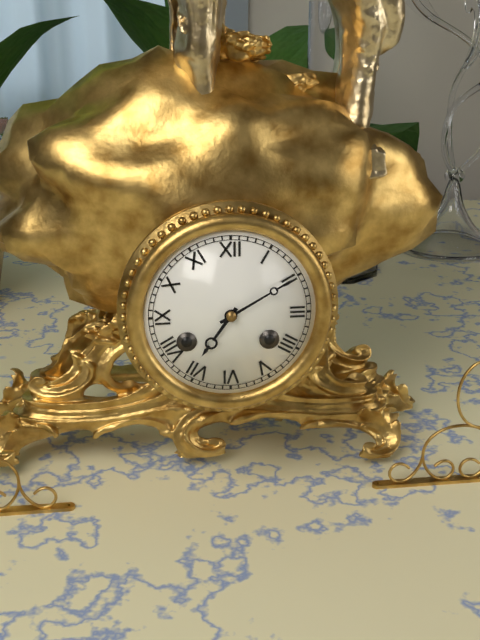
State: h=7 m=10
